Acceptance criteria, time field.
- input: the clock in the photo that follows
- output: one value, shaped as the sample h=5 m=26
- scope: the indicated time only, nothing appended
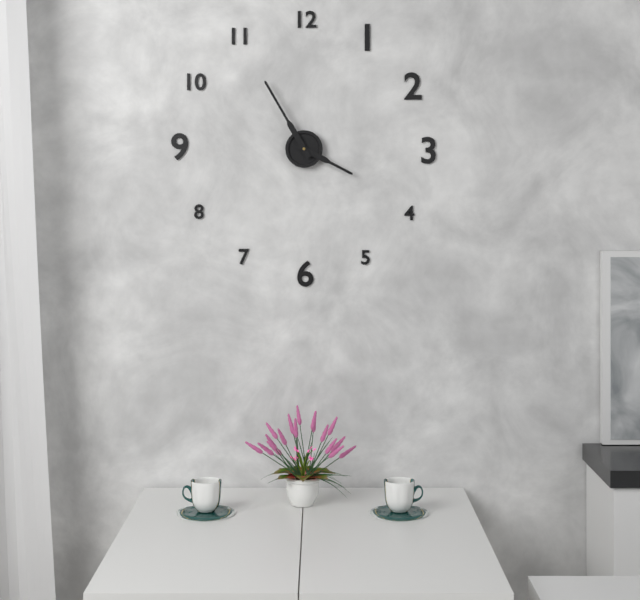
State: h=3 m=55
